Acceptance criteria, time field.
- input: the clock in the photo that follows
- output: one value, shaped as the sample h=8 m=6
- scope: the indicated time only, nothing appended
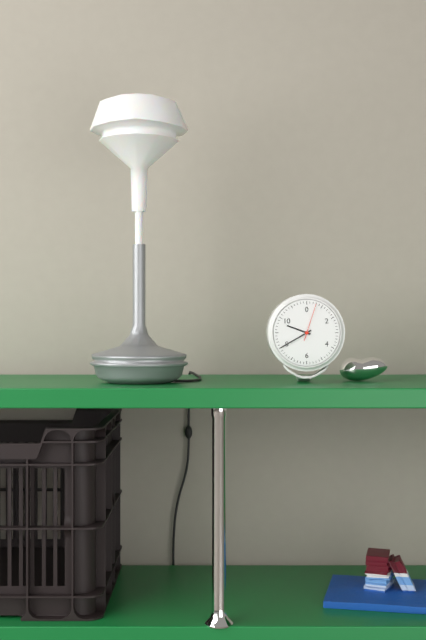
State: h=9 m=40
